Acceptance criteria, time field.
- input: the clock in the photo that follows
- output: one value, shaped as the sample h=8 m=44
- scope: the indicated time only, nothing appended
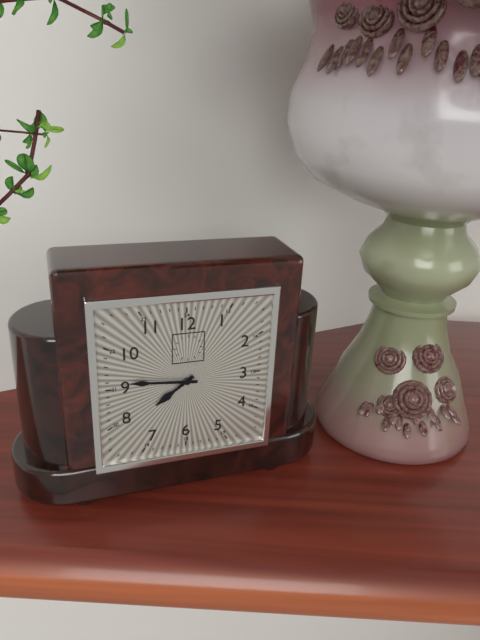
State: h=7 m=46
